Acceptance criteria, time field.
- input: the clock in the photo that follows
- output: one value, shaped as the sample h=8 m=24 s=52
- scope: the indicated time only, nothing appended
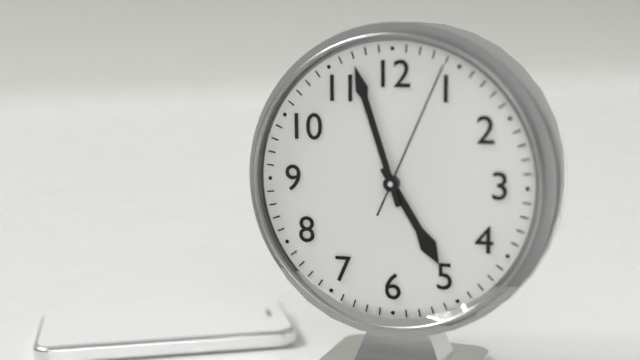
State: h=4 m=57 s=4
